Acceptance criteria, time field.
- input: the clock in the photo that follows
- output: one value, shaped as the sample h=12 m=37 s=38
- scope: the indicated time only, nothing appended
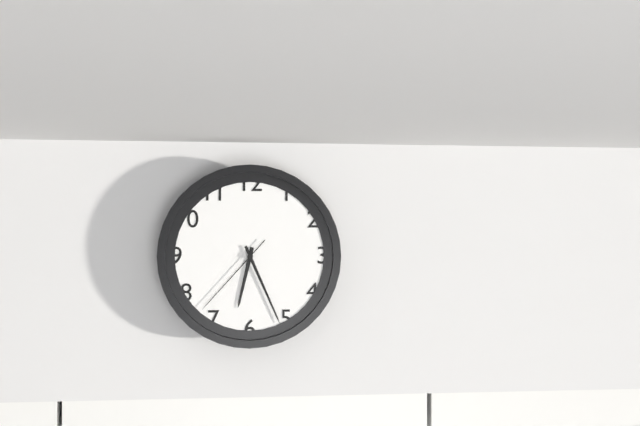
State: h=6 m=26 s=37
